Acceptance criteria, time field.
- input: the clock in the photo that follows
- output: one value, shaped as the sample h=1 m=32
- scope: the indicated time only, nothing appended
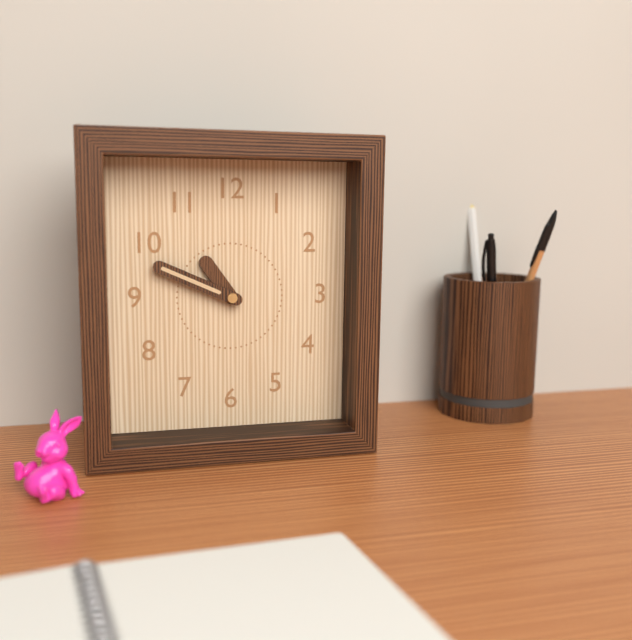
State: h=10 m=49
